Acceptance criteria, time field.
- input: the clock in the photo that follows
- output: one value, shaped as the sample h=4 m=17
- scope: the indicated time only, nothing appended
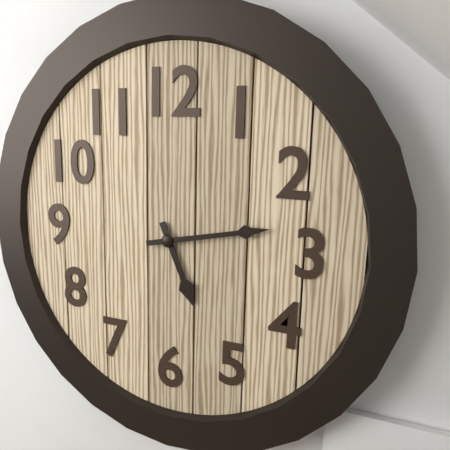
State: h=5 m=13
